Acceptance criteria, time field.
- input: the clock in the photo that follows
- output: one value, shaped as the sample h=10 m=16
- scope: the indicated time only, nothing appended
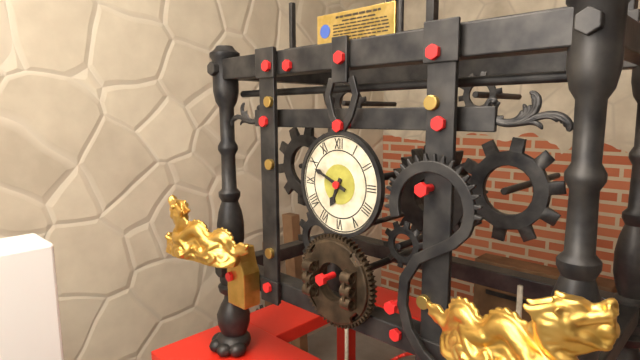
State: h=6 m=49
